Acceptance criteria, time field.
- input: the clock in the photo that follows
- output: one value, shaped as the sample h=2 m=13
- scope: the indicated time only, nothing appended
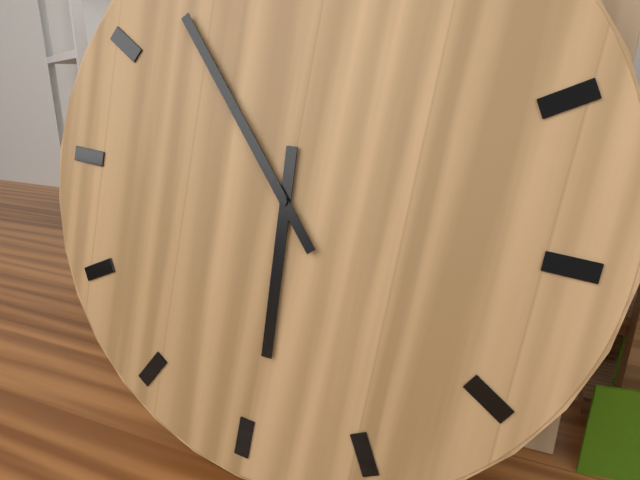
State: h=5 m=53
